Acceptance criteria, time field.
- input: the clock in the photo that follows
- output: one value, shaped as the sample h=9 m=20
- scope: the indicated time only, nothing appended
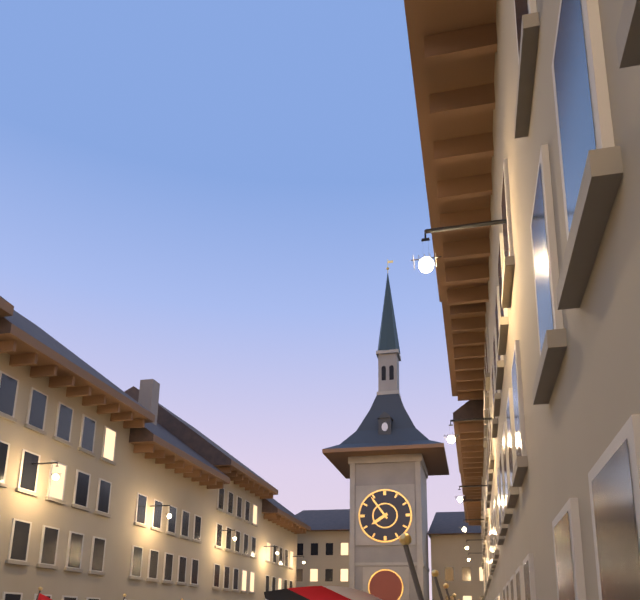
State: h=7 m=54
